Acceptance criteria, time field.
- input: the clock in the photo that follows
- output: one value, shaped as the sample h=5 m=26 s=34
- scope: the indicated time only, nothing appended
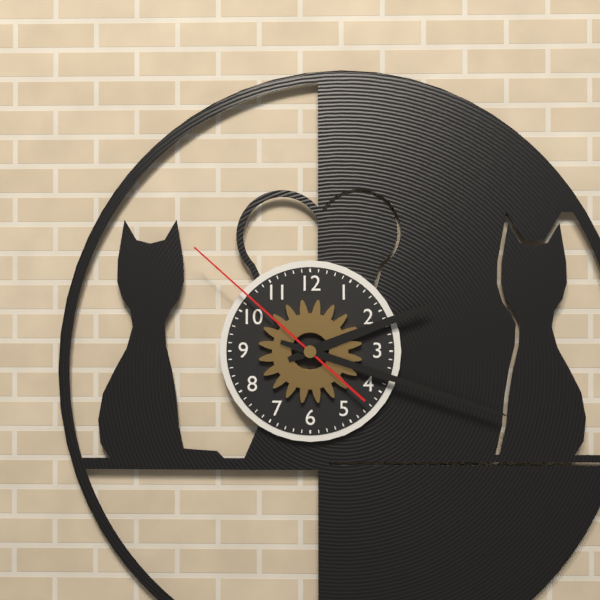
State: h=2 m=18 s=52
